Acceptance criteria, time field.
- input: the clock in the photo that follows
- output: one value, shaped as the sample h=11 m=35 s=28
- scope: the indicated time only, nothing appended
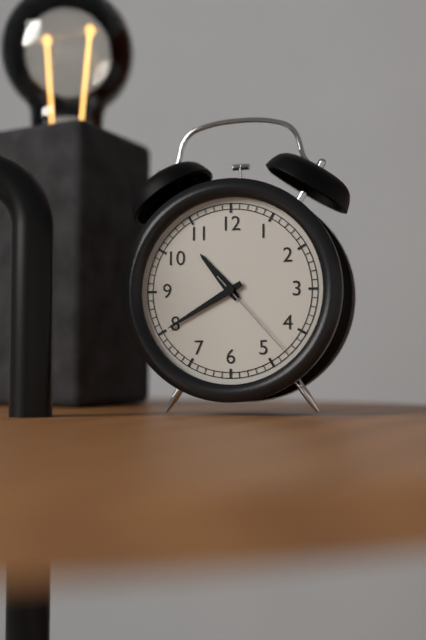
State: h=10 m=40 s=23
